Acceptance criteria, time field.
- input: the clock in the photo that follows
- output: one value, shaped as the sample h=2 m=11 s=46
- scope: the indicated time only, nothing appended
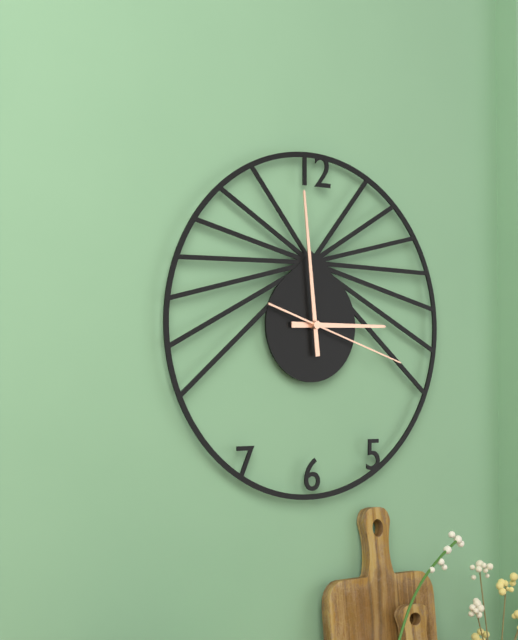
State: h=2 m=59 s=18
